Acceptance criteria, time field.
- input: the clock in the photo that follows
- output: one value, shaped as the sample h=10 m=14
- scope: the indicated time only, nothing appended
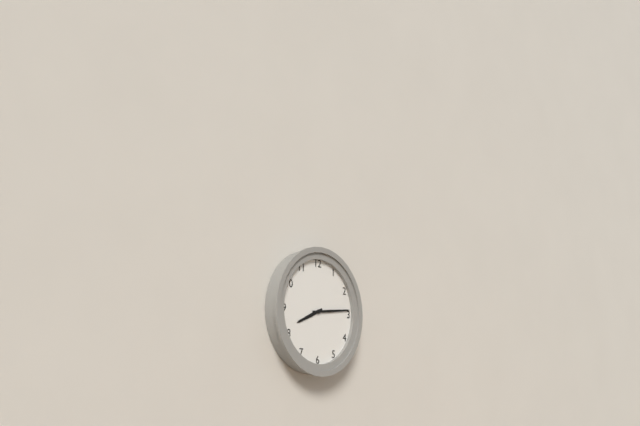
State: h=8 m=14
